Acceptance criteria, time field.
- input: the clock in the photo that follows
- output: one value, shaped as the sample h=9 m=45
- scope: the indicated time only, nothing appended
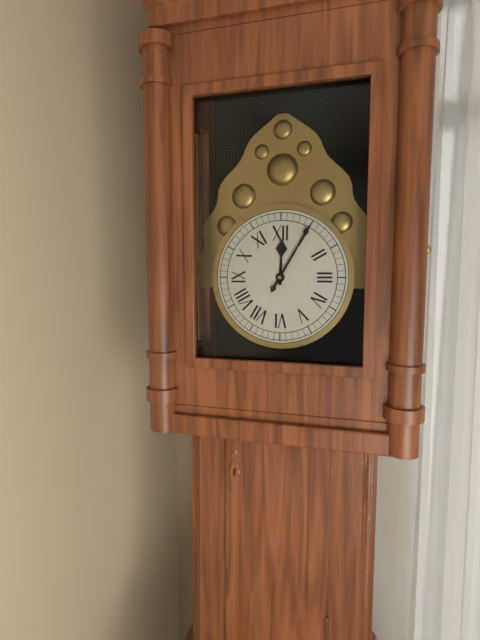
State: h=12 m=5
